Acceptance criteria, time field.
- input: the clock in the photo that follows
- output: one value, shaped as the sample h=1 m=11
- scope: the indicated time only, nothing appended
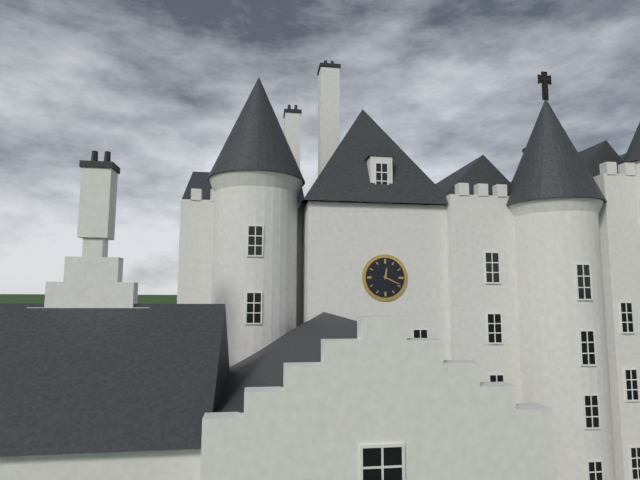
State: h=12 m=19
